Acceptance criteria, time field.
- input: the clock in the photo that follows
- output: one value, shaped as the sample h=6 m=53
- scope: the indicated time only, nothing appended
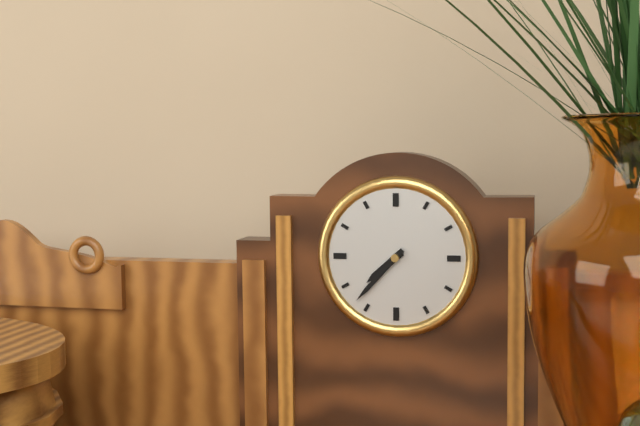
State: h=7 m=37
